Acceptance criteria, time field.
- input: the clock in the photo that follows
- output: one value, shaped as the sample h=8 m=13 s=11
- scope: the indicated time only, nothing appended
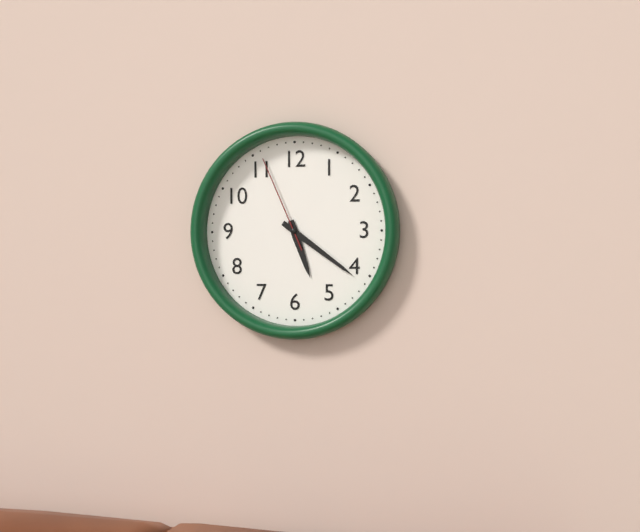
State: h=5 m=21 s=56
